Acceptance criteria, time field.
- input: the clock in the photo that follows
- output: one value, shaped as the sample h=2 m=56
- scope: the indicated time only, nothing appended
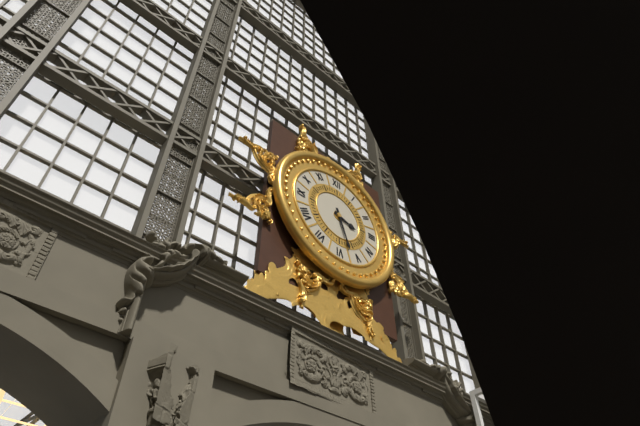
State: h=3 m=27
